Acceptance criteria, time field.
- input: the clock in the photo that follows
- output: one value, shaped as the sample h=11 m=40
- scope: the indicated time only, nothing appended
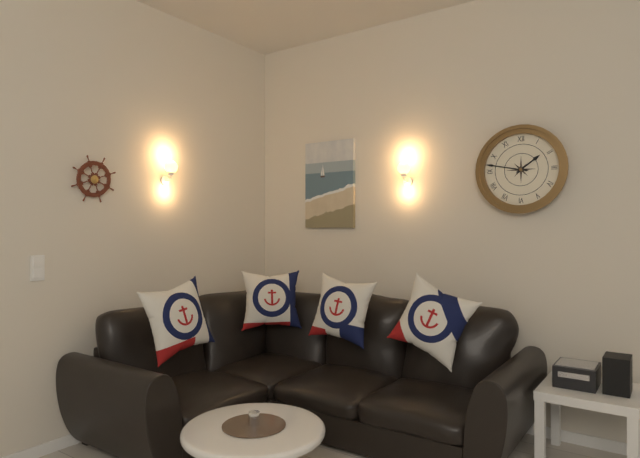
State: h=1 m=47
